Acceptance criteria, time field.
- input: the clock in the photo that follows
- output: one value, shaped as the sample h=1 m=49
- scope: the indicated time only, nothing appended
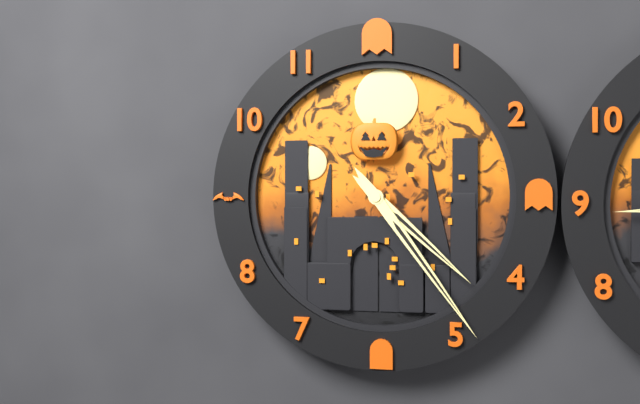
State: h=4 m=24
